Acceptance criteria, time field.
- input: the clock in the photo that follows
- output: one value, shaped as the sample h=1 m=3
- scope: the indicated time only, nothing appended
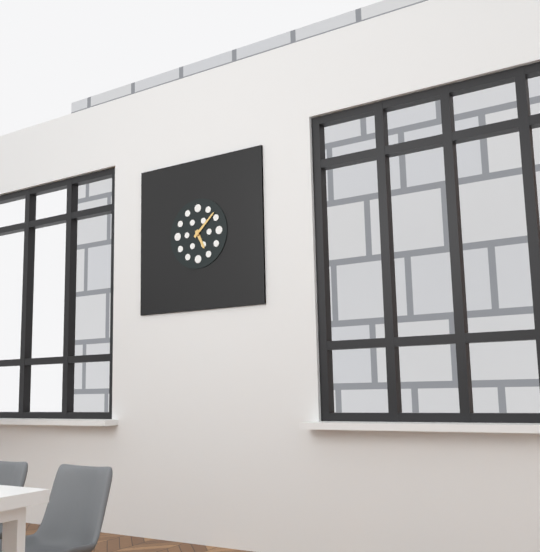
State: h=5 m=8
